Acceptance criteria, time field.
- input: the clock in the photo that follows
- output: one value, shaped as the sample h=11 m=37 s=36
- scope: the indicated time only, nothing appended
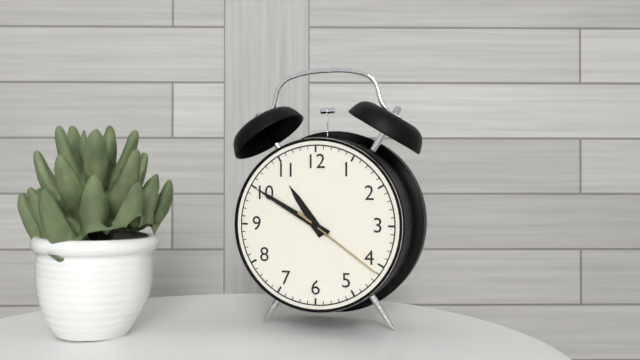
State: h=10 m=50 s=21
